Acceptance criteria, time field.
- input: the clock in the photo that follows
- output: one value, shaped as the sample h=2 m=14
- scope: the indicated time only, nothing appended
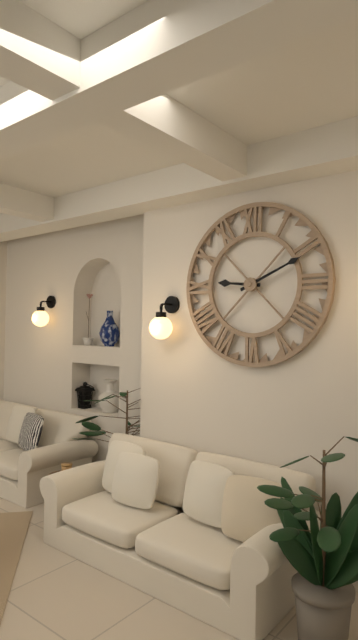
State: h=9 m=11
